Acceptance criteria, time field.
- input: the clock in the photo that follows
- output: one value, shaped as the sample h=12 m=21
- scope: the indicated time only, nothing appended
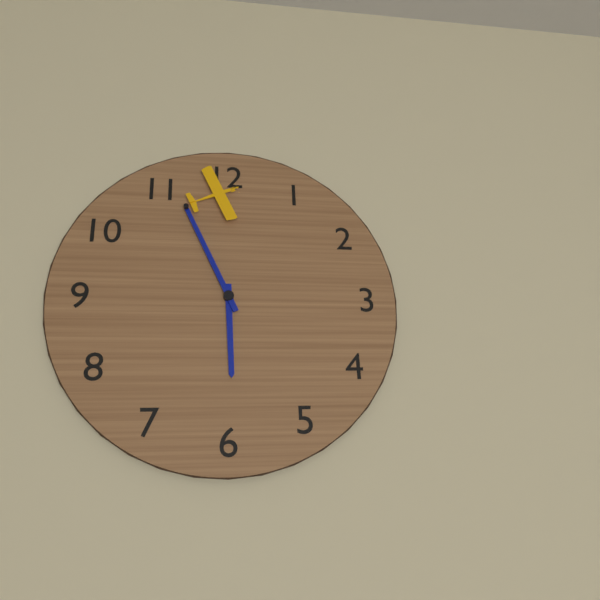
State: h=5 m=56
